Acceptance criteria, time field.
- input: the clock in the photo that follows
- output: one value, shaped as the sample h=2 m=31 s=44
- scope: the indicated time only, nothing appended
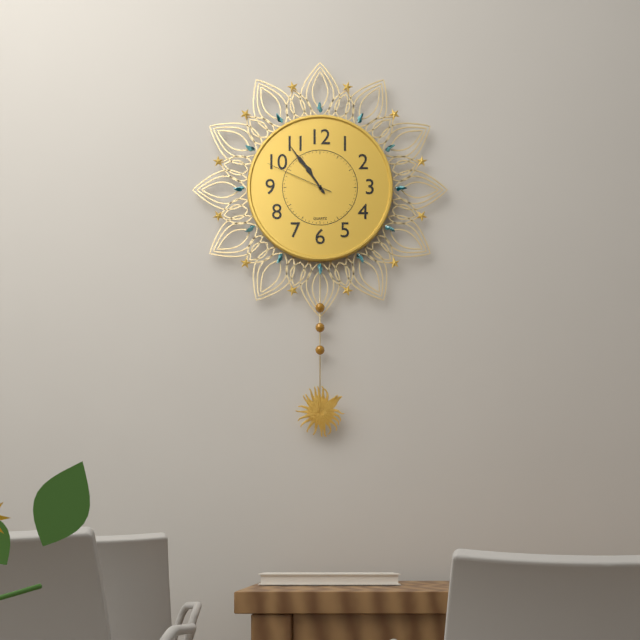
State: h=10 m=54 s=49
